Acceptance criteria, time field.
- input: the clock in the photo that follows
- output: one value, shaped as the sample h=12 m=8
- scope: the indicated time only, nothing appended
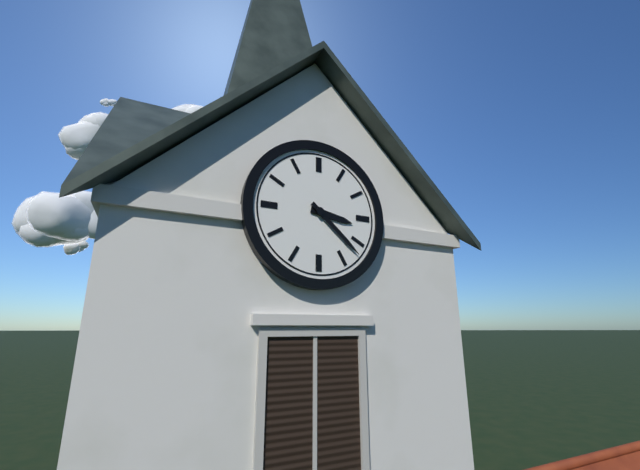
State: h=3 m=22
